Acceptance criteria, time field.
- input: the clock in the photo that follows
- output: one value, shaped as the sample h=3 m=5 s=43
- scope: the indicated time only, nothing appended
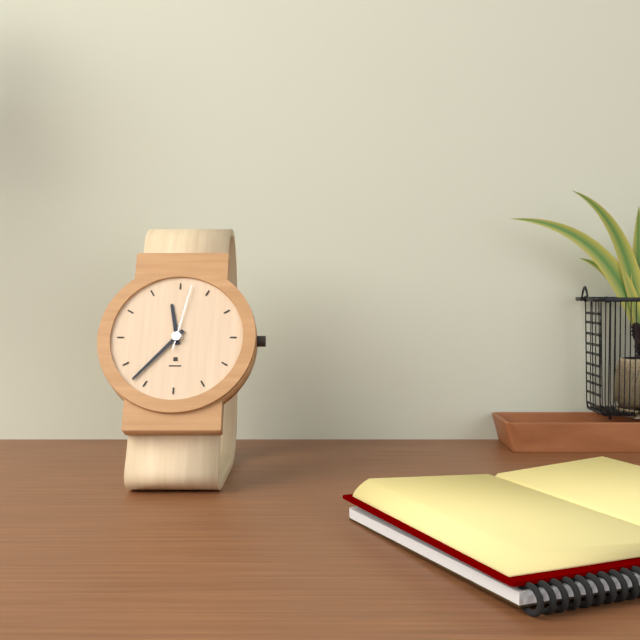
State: h=11 m=37 s=2
